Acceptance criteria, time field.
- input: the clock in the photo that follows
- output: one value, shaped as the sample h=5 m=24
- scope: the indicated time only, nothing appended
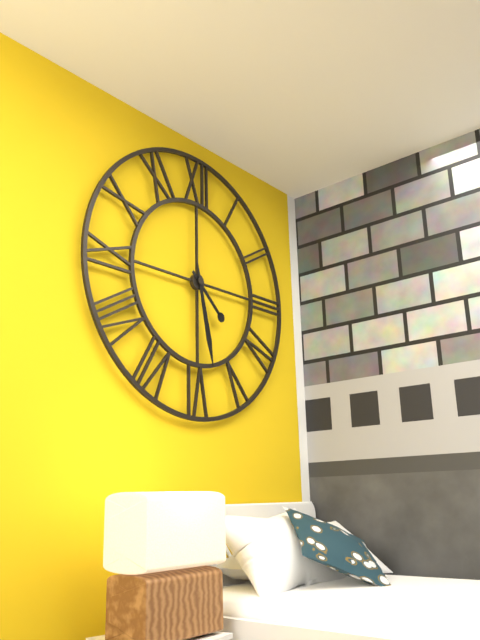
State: h=4 m=28
